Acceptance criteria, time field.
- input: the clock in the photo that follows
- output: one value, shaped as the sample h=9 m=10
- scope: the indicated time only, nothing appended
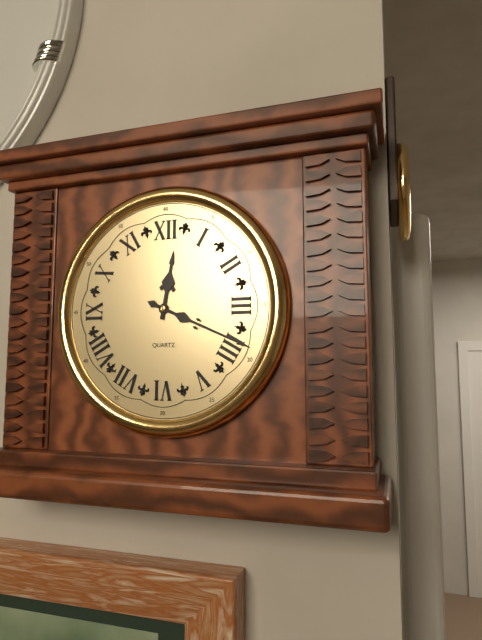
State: h=12 m=19
